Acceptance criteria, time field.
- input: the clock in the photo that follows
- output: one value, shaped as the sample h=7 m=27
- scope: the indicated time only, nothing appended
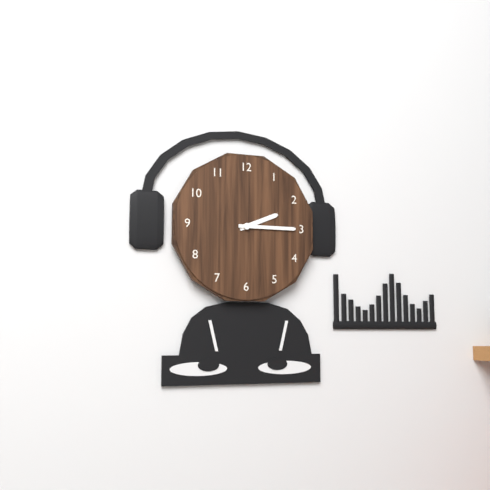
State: h=2 m=15
